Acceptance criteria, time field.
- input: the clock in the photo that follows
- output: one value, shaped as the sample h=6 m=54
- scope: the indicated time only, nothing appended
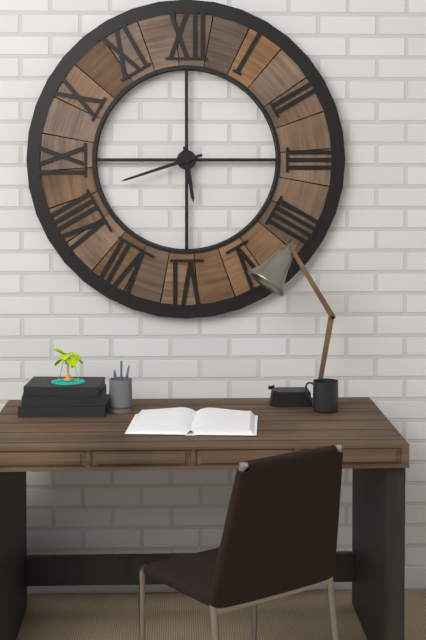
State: h=5 m=42
